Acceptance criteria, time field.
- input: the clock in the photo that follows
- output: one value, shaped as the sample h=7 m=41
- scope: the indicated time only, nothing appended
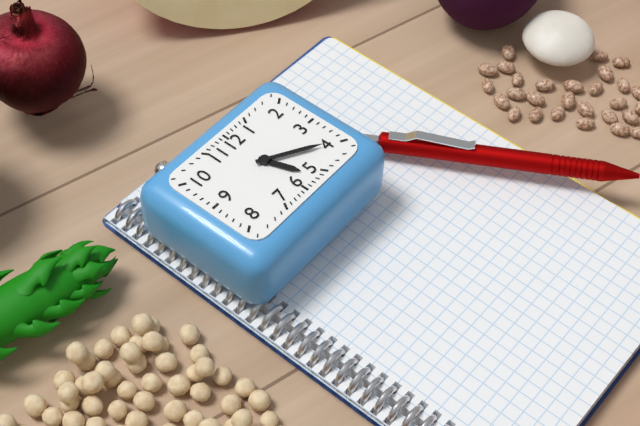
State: h=5 m=20
